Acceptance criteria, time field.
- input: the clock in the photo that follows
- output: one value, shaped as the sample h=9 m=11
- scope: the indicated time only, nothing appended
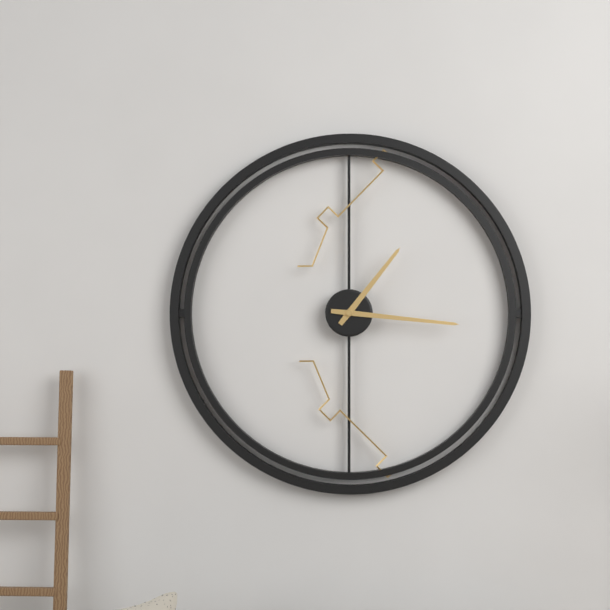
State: h=1 m=16
